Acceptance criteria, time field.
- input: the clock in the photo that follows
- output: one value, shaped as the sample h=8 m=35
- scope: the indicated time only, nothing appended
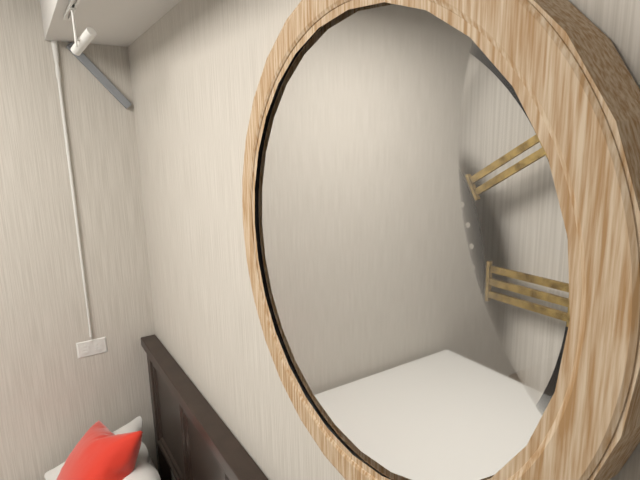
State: h=9 m=44
